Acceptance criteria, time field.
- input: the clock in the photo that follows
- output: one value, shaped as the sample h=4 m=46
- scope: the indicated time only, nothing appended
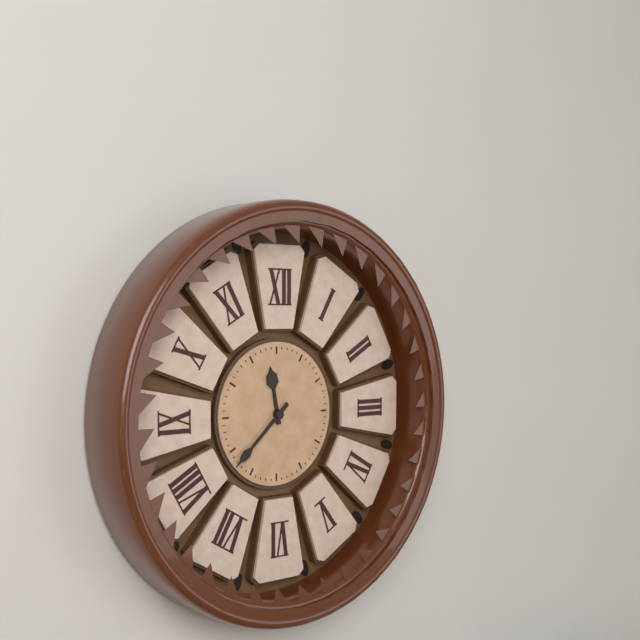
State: h=11 m=38
